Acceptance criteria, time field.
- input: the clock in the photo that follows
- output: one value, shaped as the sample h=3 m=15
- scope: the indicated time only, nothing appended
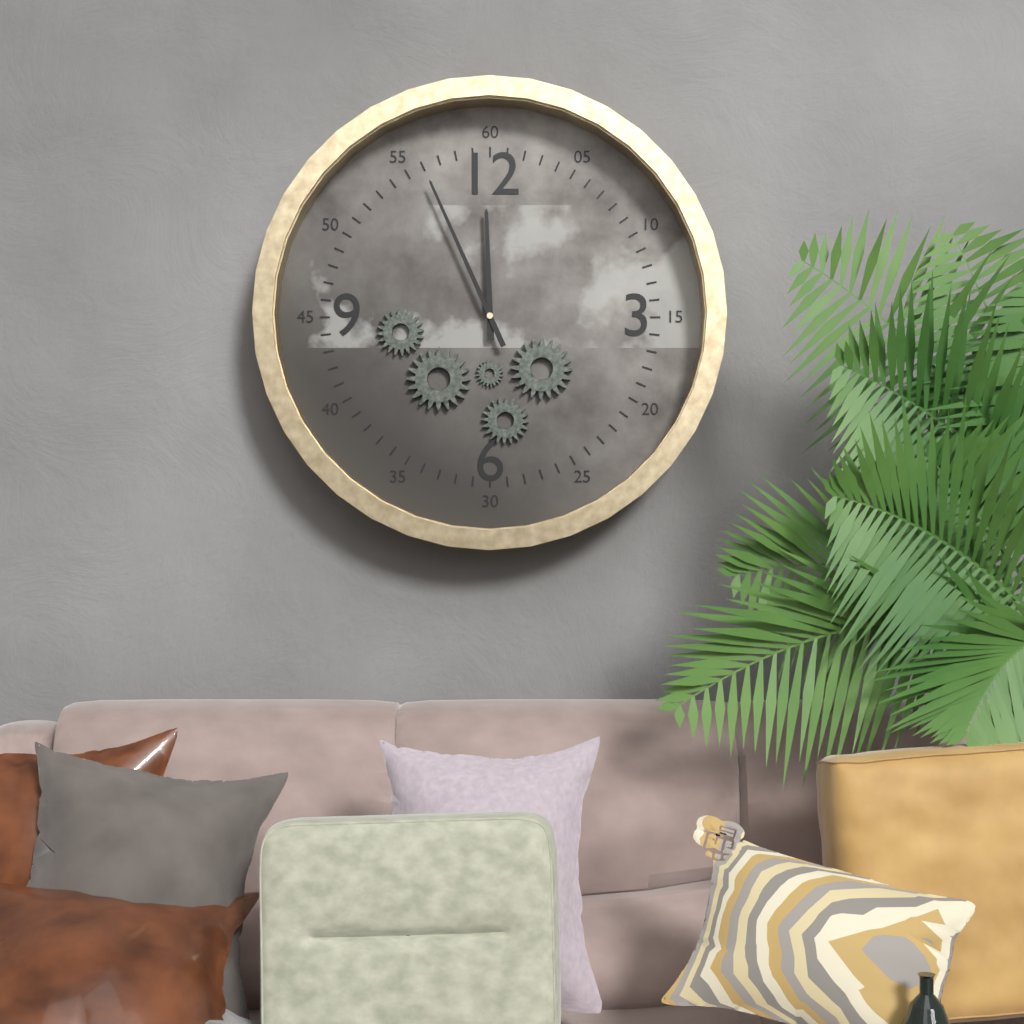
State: h=11 m=56
